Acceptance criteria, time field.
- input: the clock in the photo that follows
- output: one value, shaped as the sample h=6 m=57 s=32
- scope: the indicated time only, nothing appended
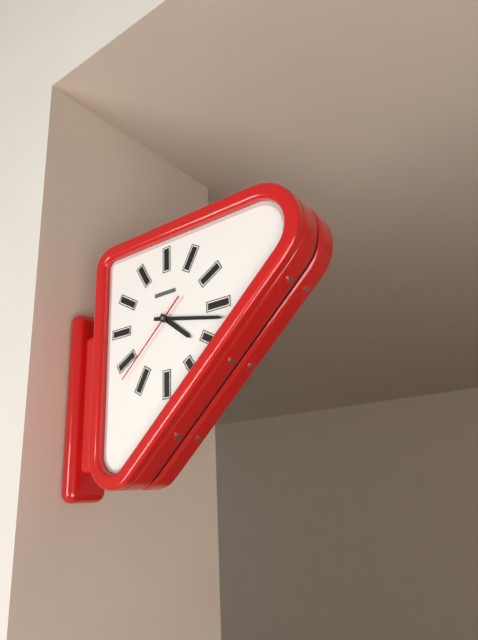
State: h=4 m=17 s=38
